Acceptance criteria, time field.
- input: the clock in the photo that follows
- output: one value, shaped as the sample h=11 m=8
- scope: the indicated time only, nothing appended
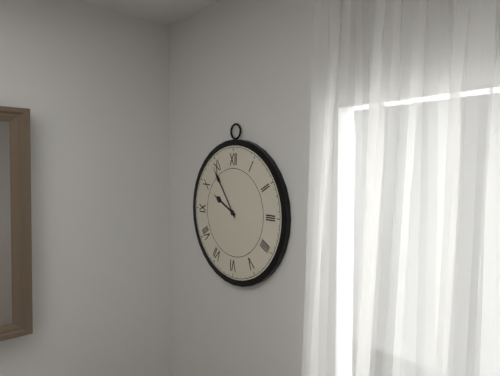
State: h=9 m=54
